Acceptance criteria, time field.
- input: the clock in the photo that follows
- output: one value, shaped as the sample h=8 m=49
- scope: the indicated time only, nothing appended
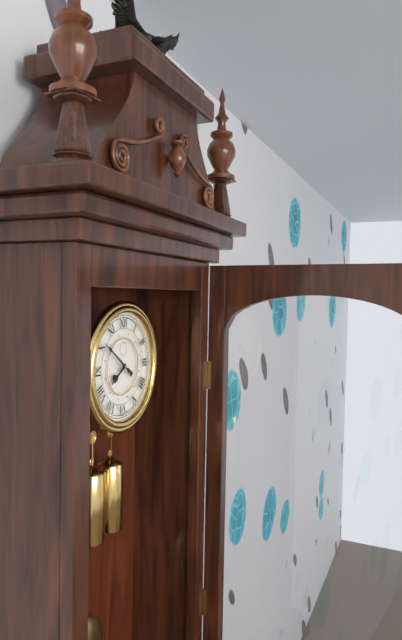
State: h=7 m=51
